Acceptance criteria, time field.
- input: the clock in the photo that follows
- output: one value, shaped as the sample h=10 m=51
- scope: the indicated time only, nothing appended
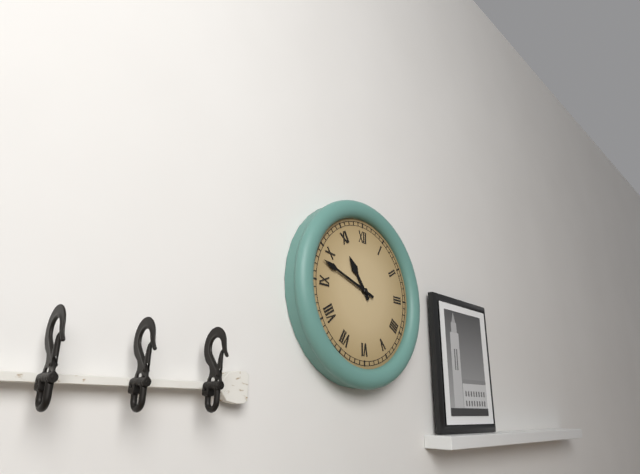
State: h=10 m=48
